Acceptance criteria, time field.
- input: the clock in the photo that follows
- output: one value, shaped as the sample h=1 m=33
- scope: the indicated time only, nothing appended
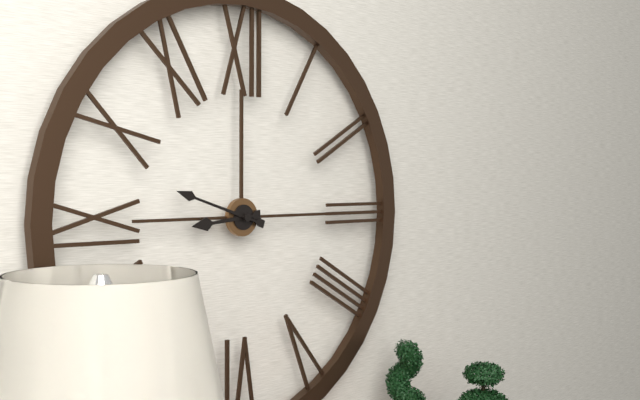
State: h=8 m=48
